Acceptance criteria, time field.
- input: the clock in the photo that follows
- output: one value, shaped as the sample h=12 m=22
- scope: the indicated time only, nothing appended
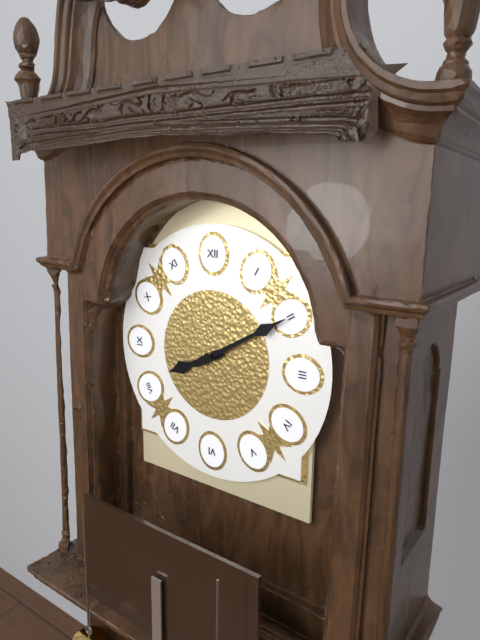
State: h=8 m=10
